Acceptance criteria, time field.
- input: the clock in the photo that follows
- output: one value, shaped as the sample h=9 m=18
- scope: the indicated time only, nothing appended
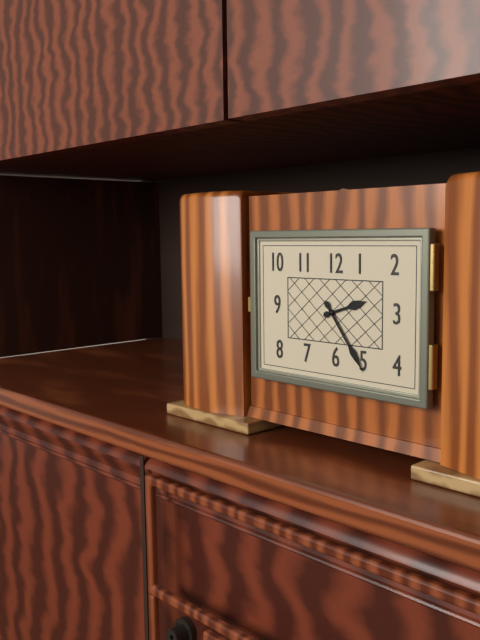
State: h=2 m=24
